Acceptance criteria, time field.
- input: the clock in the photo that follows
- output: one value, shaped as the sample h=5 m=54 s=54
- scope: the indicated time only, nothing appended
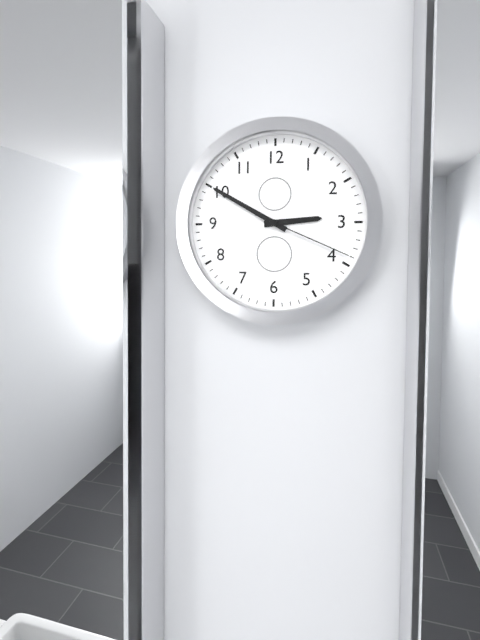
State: h=2 m=50 s=19
